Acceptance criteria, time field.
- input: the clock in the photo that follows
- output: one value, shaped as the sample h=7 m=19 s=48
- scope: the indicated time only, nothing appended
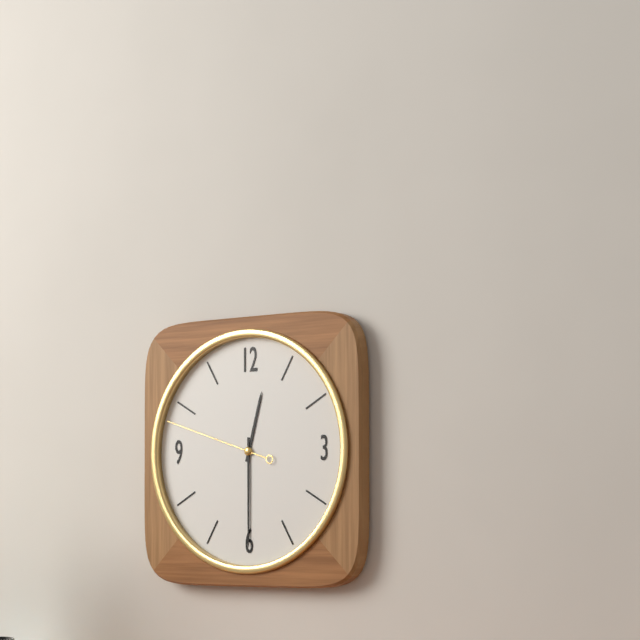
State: h=12 m=30 s=48
